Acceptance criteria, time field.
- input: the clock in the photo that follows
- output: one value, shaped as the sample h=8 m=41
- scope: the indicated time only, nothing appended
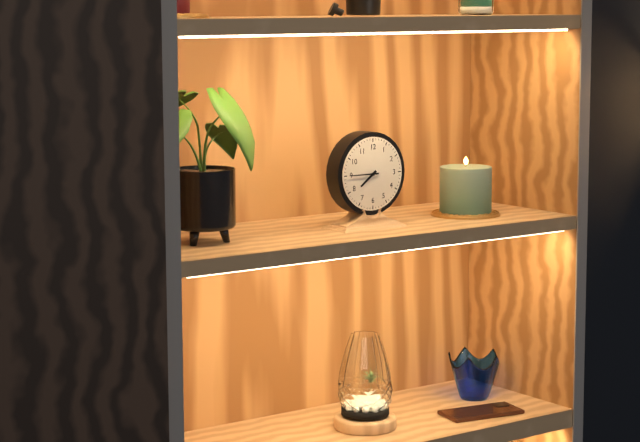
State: h=7 m=45
